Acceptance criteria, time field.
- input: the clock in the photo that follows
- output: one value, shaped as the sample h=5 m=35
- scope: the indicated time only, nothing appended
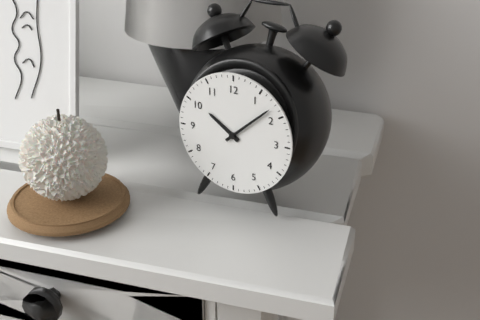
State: h=10 m=8
